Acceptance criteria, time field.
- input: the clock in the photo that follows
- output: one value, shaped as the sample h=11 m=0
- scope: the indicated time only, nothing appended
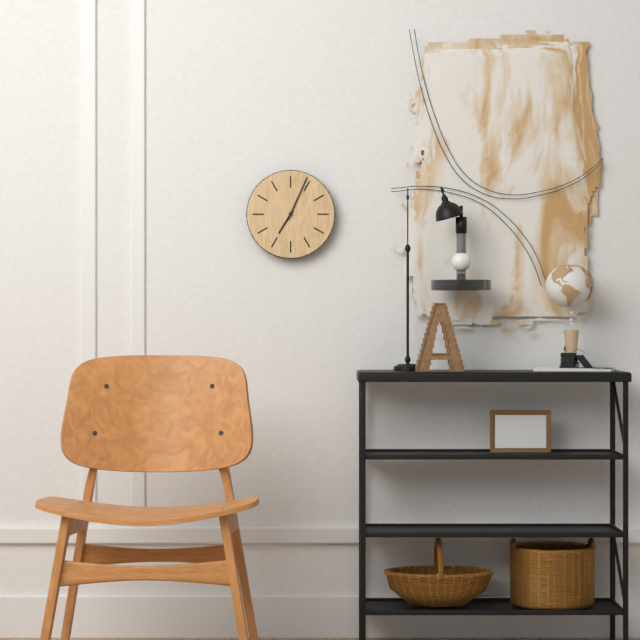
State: h=7 m=4
